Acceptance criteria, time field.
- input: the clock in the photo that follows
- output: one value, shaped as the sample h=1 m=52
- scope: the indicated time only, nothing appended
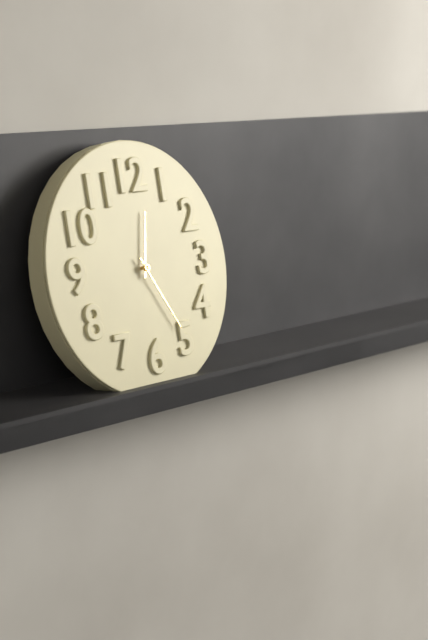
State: h=12 m=25
